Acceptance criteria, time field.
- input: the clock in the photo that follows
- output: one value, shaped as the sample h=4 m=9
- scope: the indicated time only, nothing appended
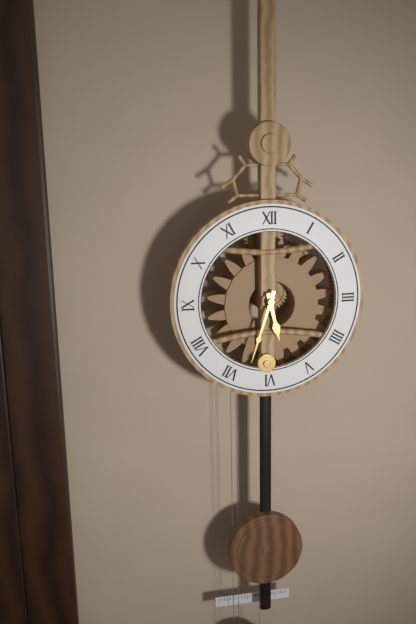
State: h=5 m=33
